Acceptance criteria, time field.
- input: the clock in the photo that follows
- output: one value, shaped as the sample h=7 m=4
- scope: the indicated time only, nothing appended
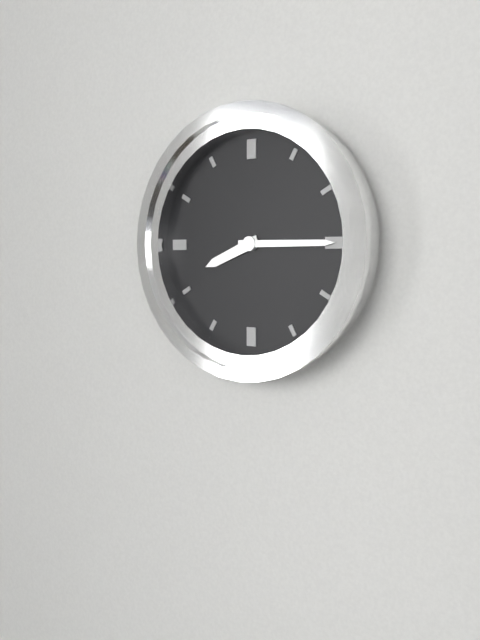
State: h=8 m=15
